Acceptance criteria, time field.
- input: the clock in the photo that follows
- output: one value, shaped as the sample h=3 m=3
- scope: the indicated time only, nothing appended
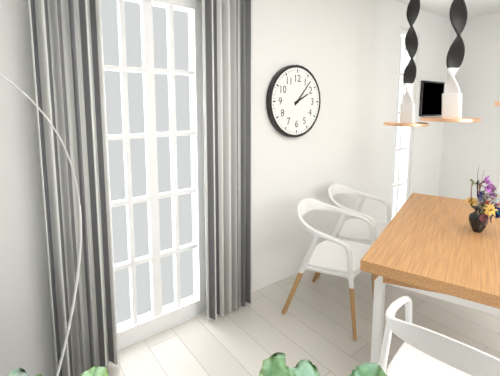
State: h=2 m=7
